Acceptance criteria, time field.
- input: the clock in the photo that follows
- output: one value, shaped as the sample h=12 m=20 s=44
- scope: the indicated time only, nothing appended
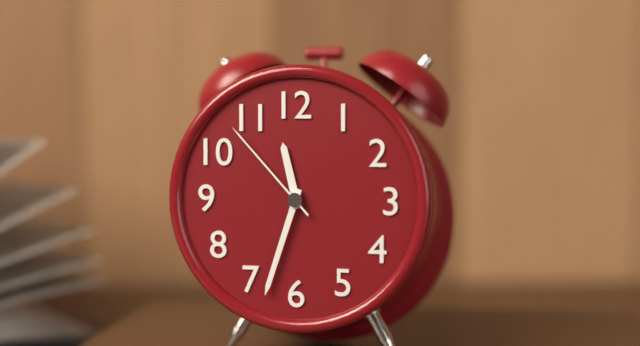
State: h=11 m=33 s=53
